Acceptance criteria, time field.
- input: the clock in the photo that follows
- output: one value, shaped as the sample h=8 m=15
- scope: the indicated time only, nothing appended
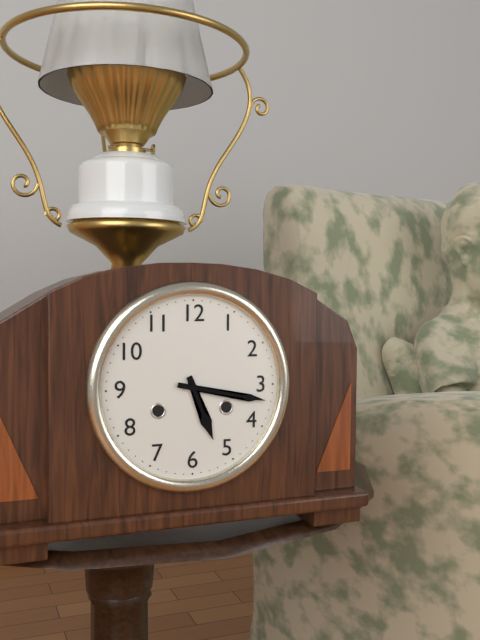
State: h=5 m=17
